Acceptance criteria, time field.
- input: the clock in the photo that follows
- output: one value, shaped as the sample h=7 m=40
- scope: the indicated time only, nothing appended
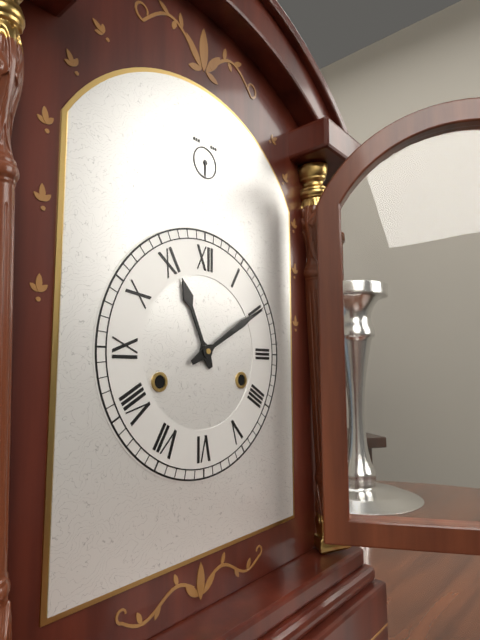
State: h=11 m=10
